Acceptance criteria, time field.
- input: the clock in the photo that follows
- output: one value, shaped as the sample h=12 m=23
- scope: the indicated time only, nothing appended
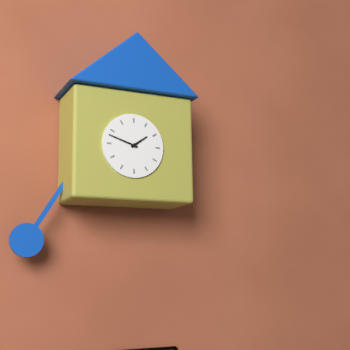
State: h=1 m=48
